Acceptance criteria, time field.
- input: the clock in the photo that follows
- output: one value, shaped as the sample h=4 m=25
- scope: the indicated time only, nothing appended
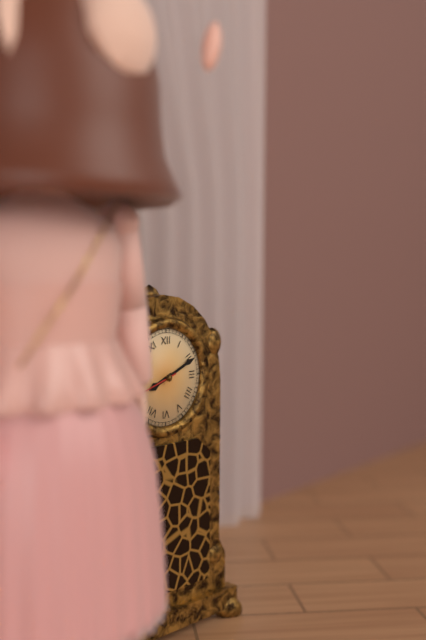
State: h=8 m=11
